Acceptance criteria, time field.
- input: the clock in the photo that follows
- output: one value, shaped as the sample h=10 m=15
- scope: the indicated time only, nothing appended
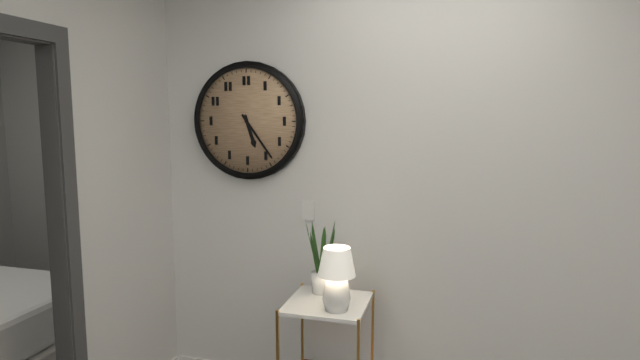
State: h=5 m=24
